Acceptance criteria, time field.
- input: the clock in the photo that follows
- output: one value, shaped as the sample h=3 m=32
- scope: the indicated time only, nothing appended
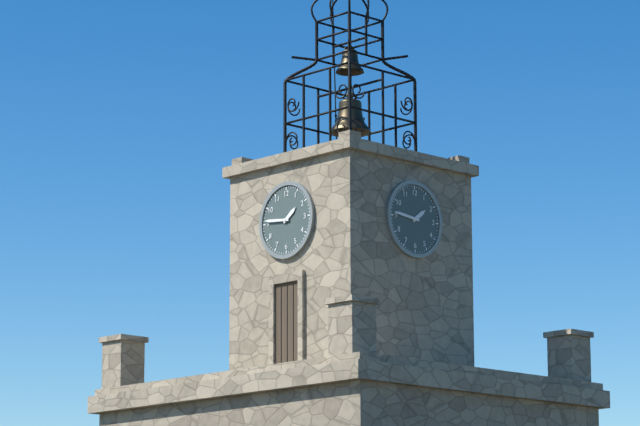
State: h=1 m=46
